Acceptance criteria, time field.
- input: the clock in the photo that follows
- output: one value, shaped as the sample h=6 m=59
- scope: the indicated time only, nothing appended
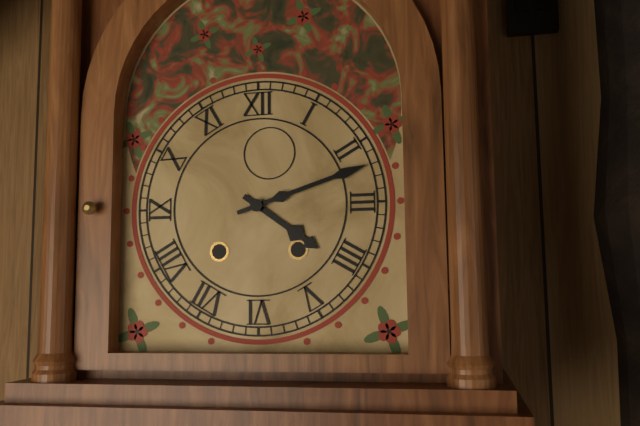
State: h=4 m=12
